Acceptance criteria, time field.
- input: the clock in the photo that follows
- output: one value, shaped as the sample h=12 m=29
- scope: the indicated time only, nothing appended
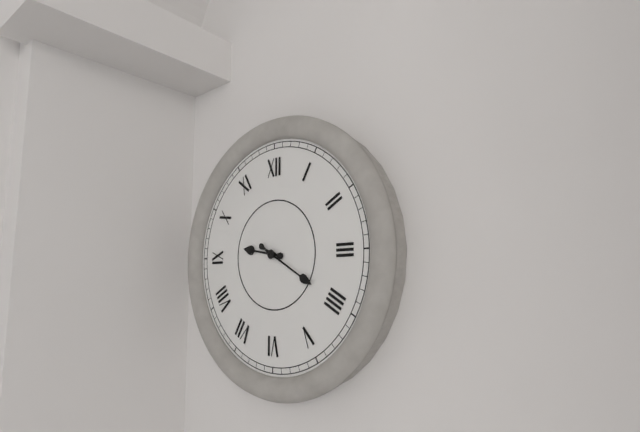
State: h=9 m=20
